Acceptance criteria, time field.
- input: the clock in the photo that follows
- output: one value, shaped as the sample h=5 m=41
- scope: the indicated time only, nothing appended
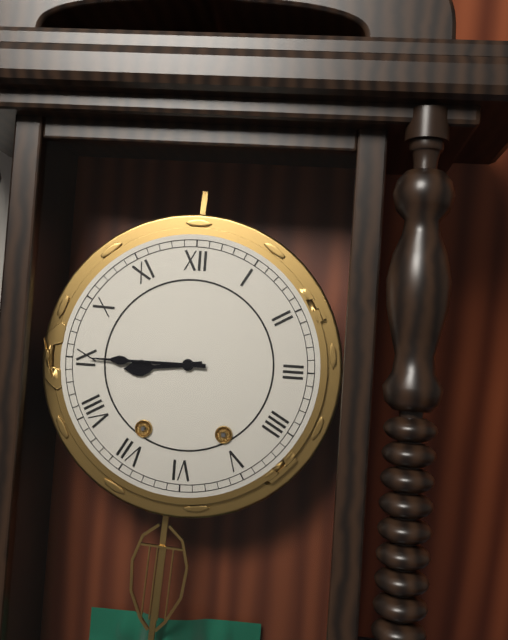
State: h=8 m=45
